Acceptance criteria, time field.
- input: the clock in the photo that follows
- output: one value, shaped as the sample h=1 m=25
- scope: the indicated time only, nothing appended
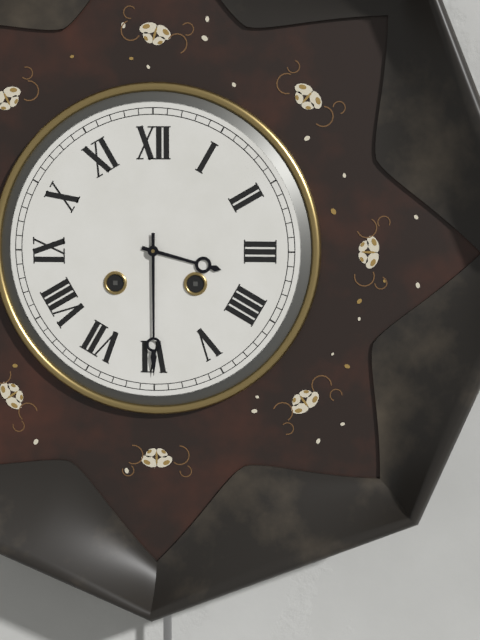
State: h=3 m=30
